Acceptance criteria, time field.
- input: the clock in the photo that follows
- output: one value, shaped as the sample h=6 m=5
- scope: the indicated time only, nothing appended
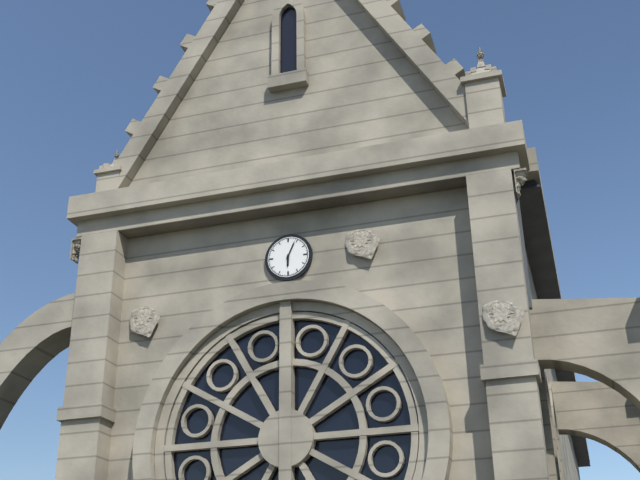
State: h=6 m=4
